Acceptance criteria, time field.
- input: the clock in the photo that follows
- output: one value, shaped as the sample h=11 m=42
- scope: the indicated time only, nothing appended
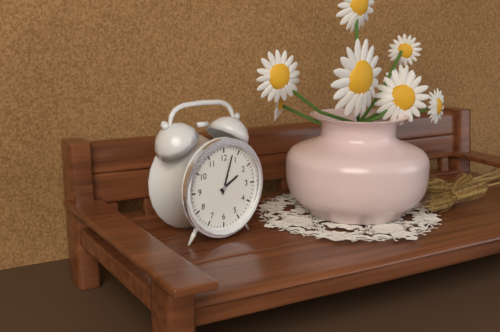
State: h=2 m=3
